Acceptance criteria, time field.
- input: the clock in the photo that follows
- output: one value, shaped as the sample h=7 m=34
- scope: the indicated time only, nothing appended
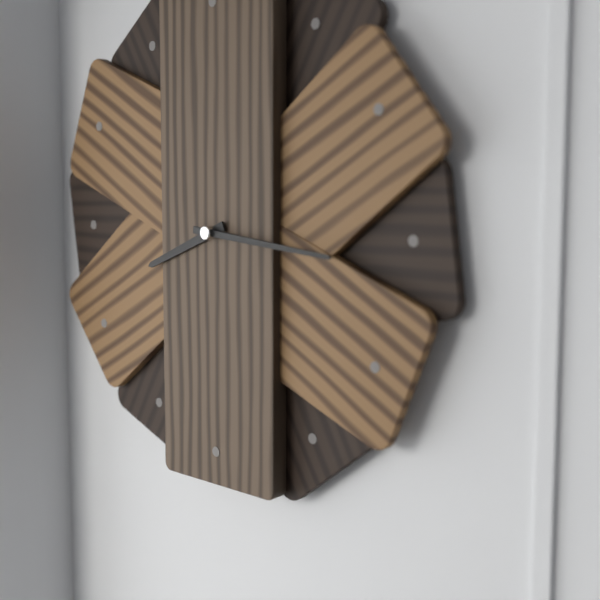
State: h=8 m=16
